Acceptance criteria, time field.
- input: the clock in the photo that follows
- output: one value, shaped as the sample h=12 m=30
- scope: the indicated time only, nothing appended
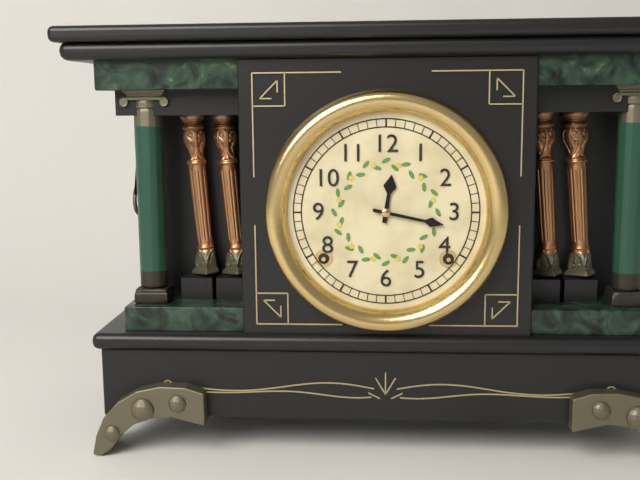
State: h=12 m=17
